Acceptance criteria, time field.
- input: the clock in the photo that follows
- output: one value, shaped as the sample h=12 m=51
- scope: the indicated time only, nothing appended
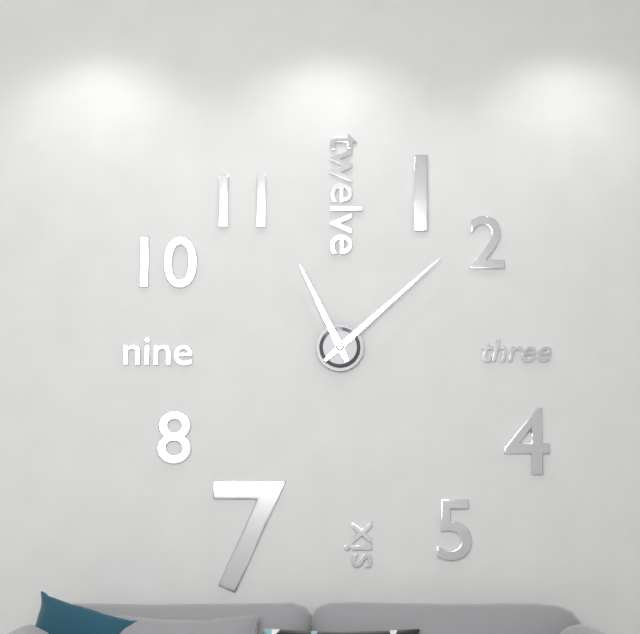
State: h=11 m=8
